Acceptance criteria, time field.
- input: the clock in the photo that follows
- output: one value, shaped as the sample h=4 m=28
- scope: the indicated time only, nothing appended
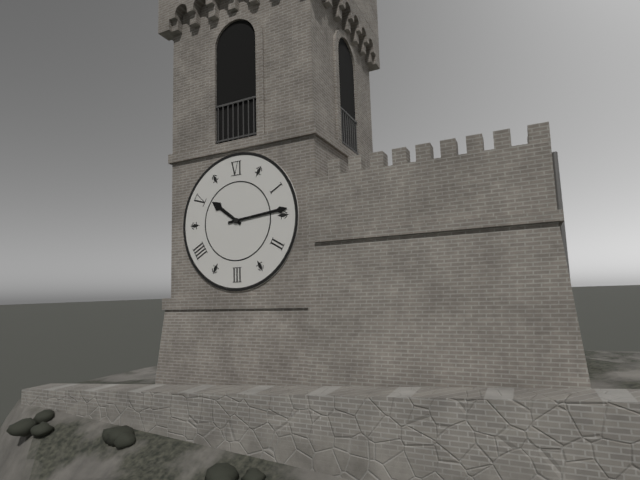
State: h=10 m=14
